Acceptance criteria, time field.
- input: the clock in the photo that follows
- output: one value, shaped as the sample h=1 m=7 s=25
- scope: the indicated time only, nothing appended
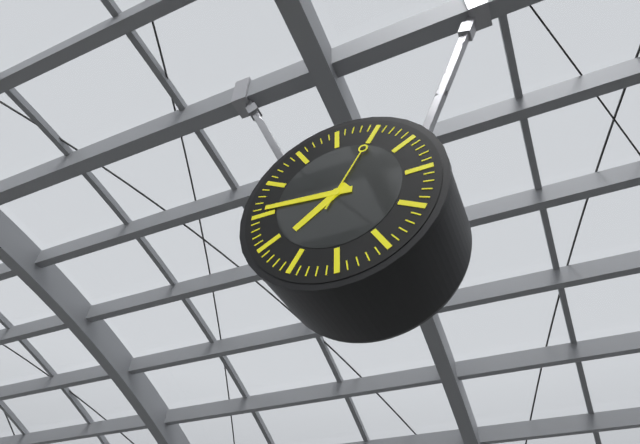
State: h=7 m=46 s=5
